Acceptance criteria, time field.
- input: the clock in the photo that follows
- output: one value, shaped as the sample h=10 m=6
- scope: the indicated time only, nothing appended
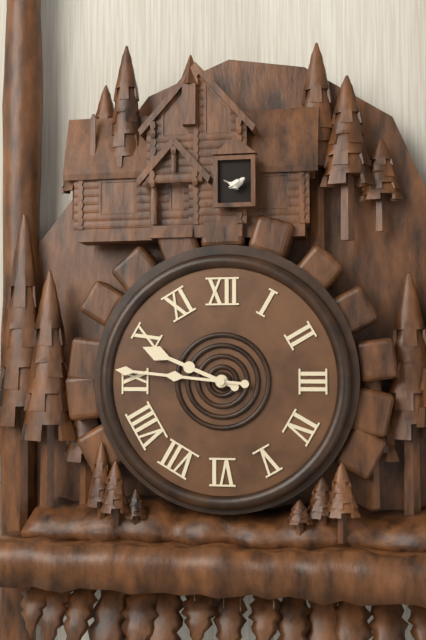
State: h=9 m=46
